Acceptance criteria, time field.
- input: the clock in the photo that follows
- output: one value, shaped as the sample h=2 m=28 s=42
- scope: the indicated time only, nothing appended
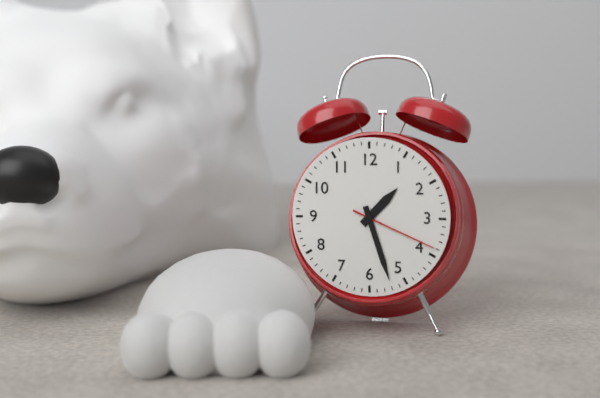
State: h=1 m=27 s=19
